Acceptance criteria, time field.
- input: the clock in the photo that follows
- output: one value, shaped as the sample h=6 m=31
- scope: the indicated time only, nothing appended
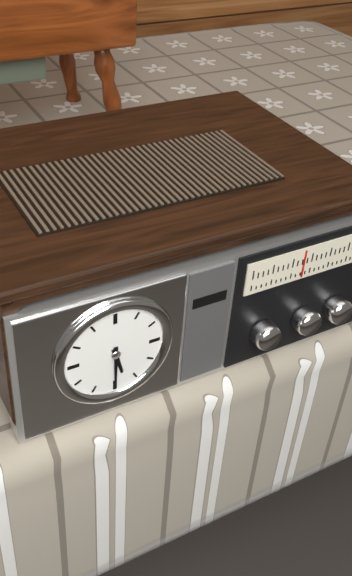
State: h=5 m=30
